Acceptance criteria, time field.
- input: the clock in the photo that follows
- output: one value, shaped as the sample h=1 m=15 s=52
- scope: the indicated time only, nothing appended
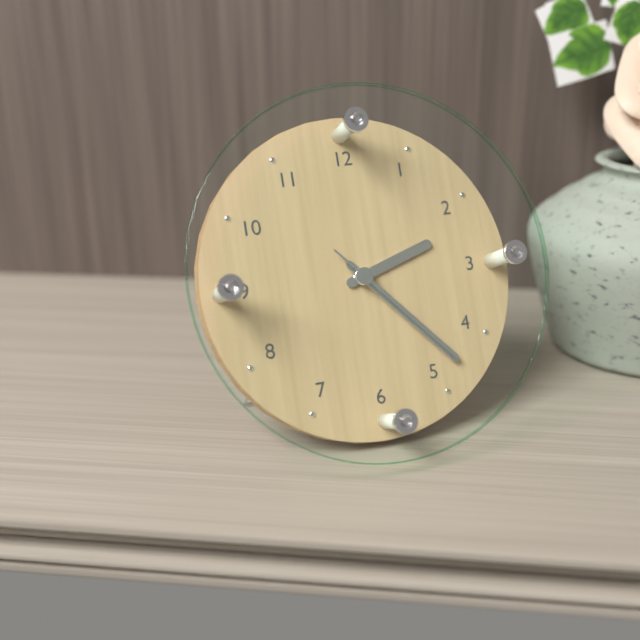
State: h=2 m=23 s=23
